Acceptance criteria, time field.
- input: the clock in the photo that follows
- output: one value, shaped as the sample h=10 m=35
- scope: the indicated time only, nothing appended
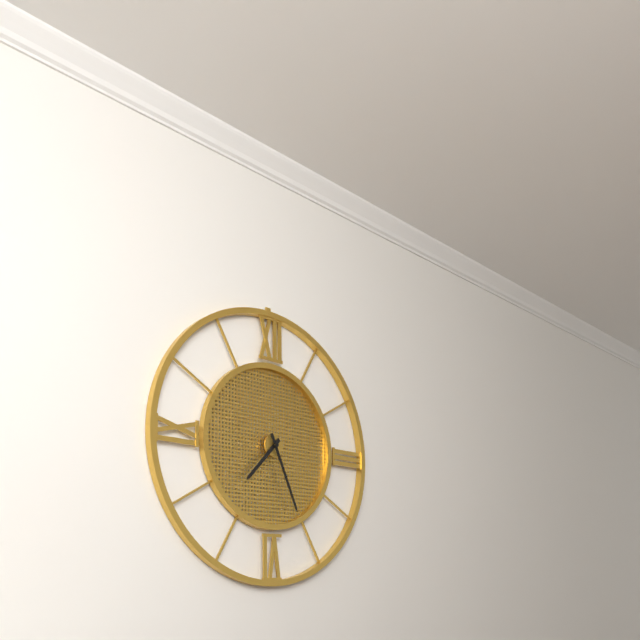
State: h=7 m=26
